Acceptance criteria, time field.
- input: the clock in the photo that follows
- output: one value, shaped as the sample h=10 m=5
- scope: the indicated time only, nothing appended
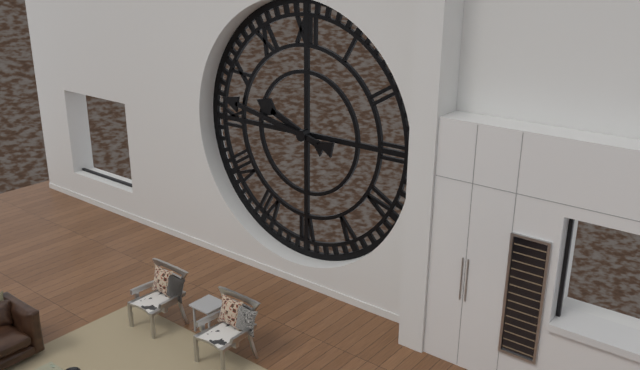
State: h=9 m=47
